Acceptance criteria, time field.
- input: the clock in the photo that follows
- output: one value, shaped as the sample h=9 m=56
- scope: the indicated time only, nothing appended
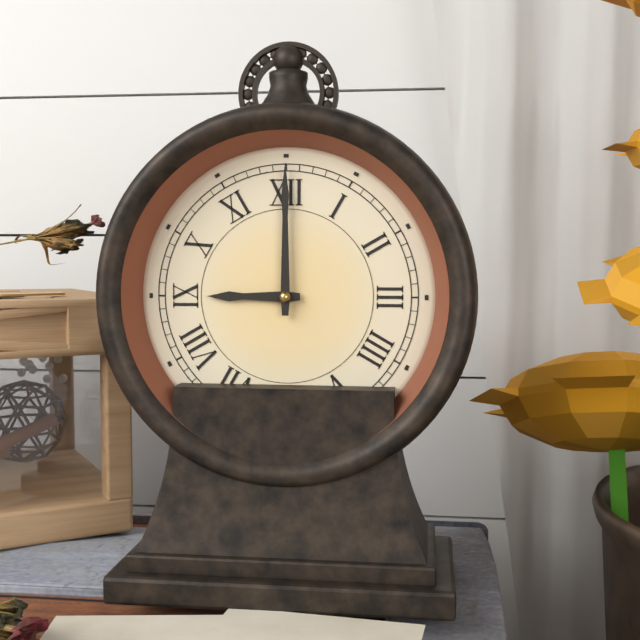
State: h=9 m=0
